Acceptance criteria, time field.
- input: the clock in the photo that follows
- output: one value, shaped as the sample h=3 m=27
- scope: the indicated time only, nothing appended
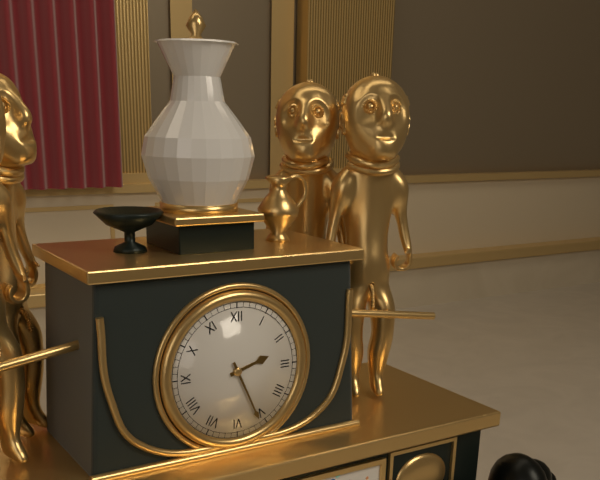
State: h=2 m=26
